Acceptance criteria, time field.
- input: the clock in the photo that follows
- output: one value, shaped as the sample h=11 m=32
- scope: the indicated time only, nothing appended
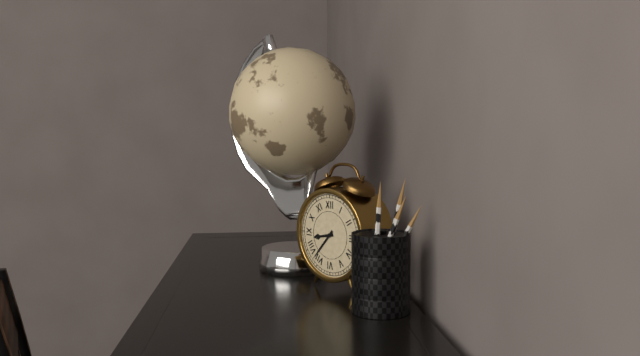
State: h=8 m=37
